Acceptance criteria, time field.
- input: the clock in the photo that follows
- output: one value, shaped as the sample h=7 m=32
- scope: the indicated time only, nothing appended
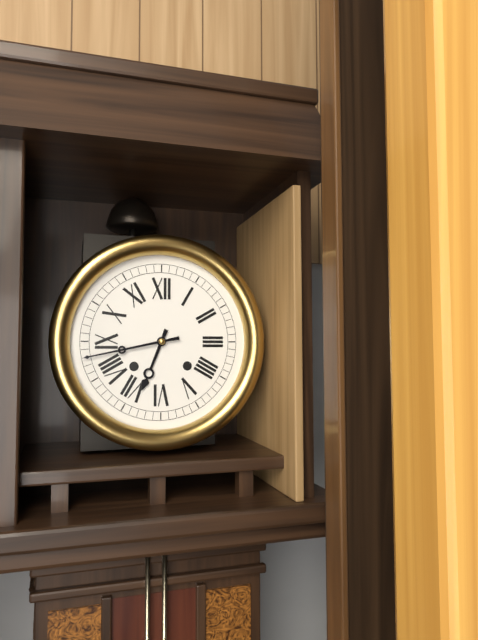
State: h=6 m=43
